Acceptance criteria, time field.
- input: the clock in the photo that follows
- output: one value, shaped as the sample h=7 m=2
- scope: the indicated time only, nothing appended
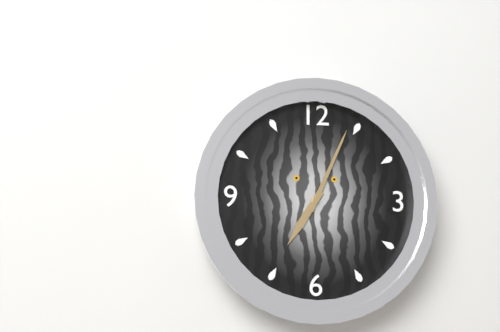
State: h=7 m=4
